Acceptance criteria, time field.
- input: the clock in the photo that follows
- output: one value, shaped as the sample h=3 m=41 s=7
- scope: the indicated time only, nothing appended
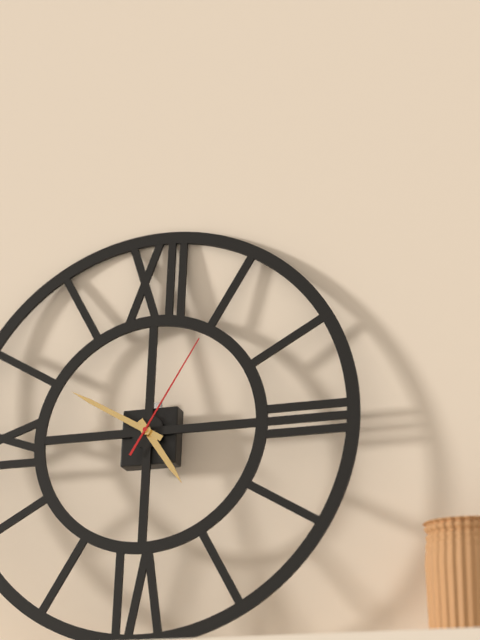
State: h=4 m=50 s=5
